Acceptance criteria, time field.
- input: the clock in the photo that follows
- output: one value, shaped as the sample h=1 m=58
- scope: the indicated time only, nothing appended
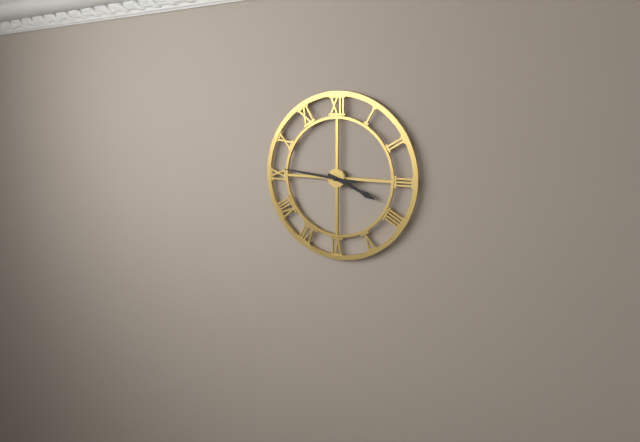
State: h=3 m=46
